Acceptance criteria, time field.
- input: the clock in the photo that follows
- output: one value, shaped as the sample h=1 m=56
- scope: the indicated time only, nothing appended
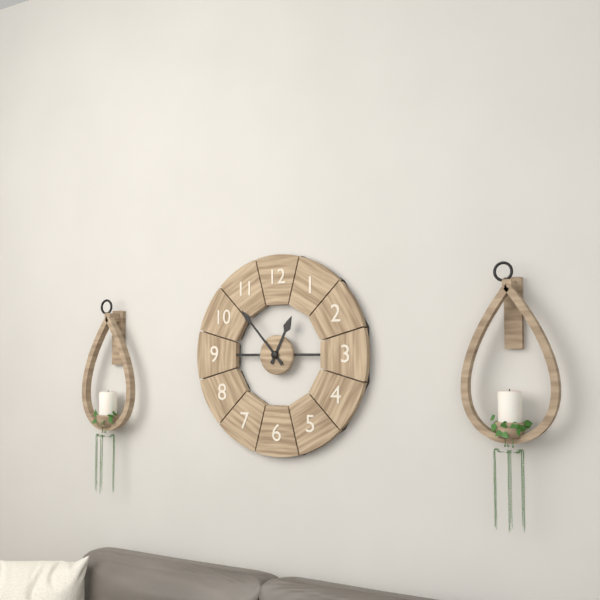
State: h=12 m=53
